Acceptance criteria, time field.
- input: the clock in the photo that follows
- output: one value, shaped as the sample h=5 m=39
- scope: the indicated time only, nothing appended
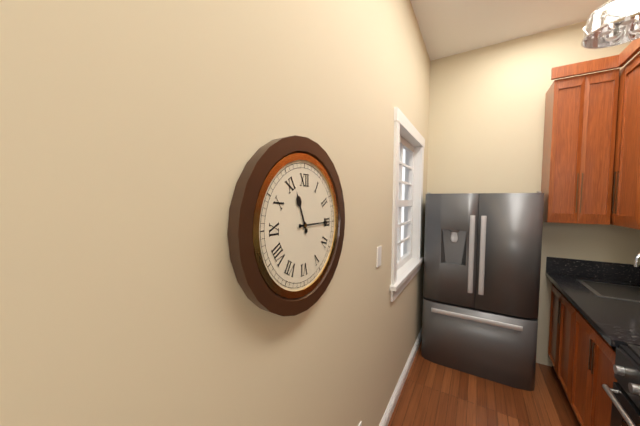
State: h=11 m=15
